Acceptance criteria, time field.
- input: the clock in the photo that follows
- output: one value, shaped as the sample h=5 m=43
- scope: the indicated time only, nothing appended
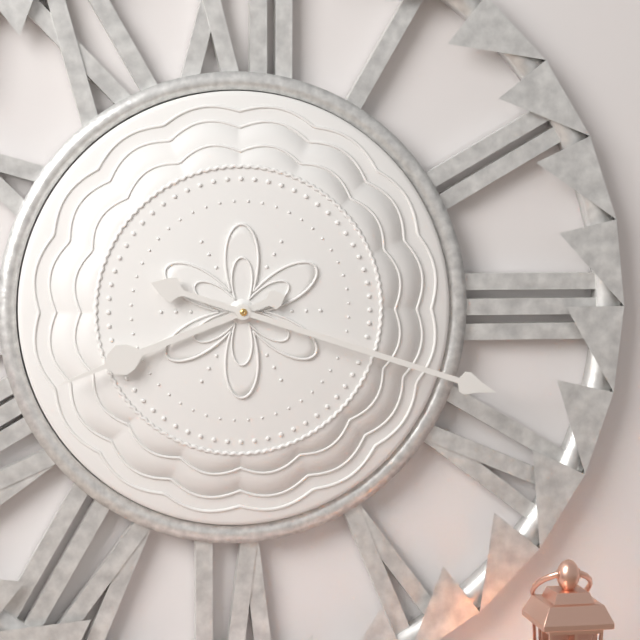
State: h=8 m=18
